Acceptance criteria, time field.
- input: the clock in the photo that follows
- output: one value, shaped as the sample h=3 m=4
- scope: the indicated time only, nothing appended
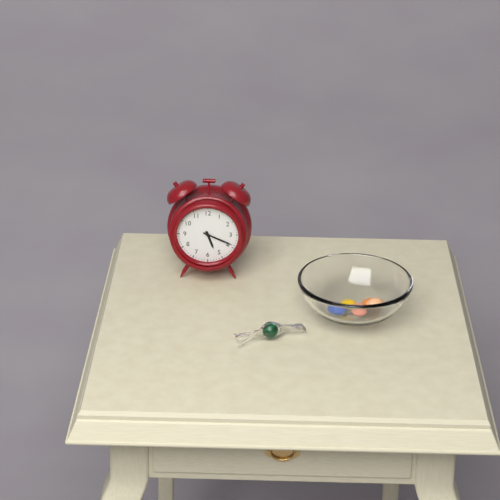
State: h=5 m=19
